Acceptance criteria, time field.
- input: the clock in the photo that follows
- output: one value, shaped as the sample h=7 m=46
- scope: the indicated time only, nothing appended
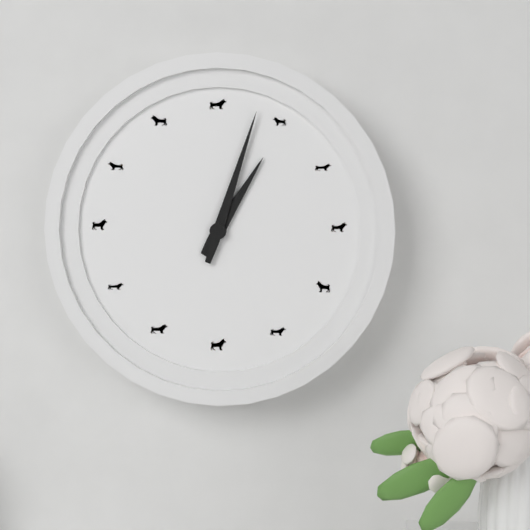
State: h=1 m=3
